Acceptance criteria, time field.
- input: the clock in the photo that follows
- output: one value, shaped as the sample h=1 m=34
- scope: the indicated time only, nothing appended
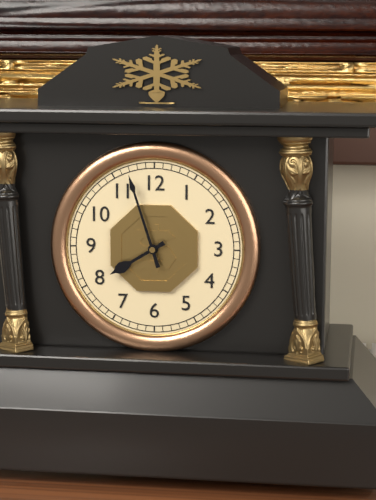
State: h=7 m=57
